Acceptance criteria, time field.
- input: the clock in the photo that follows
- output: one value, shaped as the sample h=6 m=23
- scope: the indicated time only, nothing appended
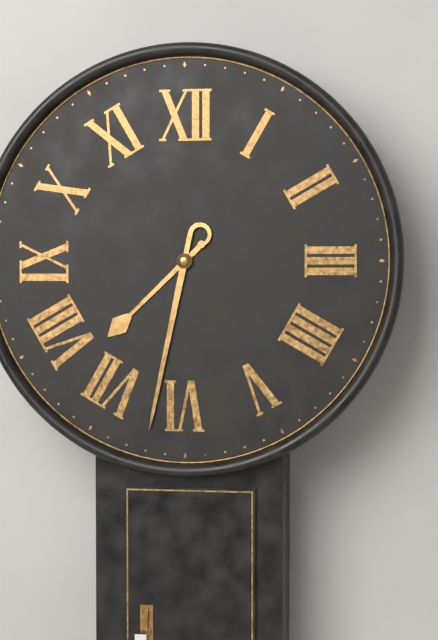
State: h=7 m=32
